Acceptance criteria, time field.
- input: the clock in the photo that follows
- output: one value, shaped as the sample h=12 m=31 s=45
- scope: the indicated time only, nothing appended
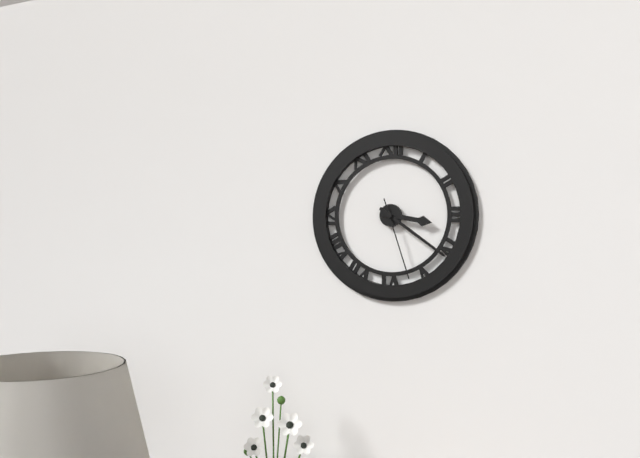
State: h=3 m=21 s=27
